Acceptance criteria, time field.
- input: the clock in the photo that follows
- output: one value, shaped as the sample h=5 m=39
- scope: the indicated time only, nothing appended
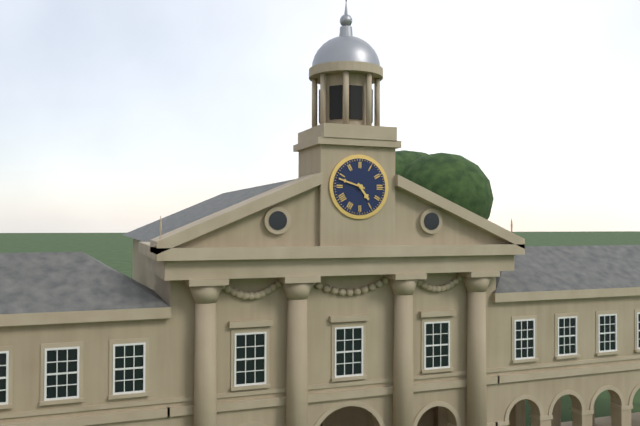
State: h=4 m=48
